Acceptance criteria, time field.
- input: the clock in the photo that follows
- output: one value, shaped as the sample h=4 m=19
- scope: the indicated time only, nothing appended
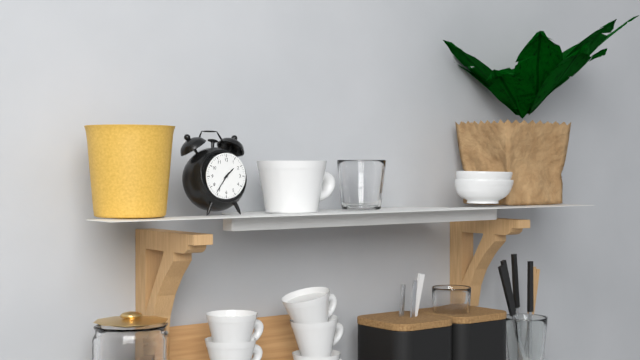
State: h=1 m=36
